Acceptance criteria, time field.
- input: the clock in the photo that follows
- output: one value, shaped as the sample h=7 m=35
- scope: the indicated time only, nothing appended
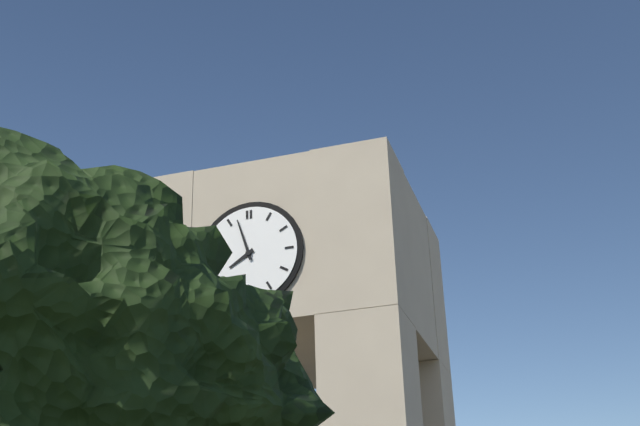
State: h=7 m=57
